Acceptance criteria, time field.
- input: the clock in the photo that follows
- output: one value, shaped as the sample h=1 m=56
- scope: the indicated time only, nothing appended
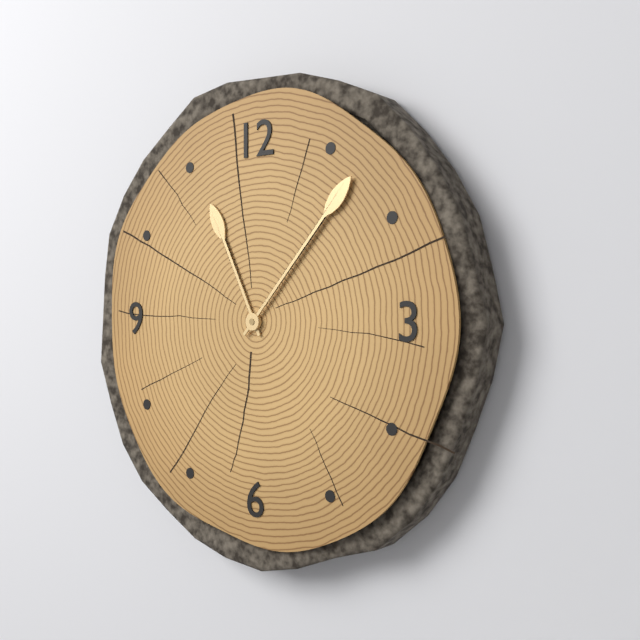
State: h=11 m=7
